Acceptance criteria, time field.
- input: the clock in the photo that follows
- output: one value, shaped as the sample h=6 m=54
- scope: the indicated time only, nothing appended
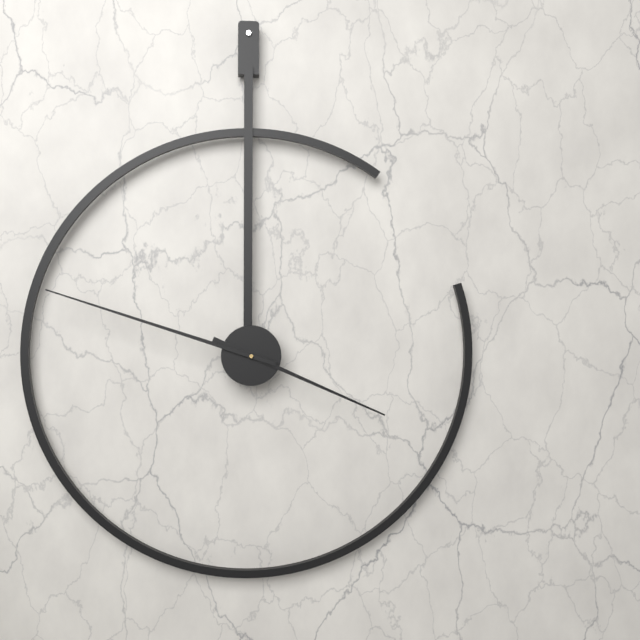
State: h=3 m=48
